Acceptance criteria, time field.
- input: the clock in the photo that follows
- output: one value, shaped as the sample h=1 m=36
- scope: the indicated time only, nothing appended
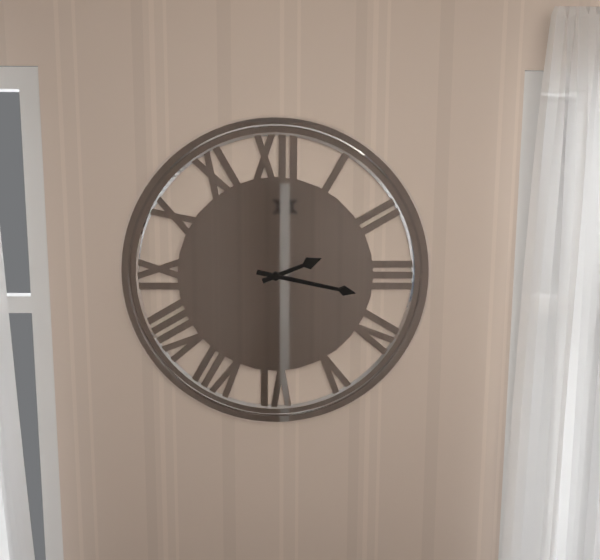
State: h=2 m=17
